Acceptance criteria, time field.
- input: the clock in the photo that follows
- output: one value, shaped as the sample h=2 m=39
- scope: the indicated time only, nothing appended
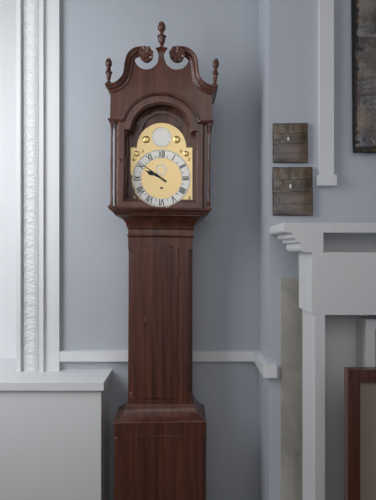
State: h=9 m=51
